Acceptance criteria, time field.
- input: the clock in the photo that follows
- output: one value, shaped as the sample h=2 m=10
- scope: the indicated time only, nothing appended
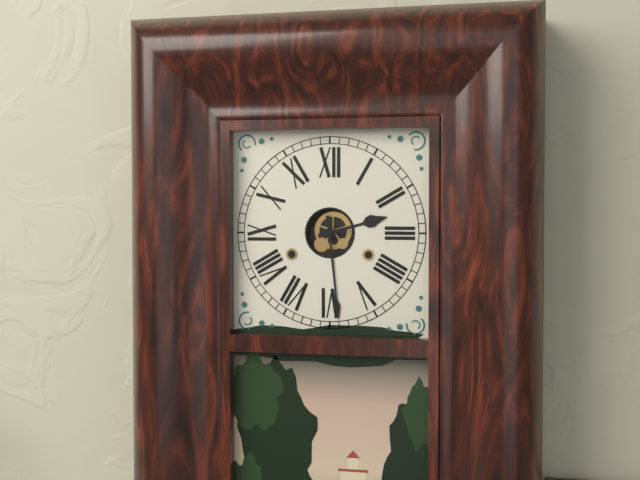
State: h=2 m=29
